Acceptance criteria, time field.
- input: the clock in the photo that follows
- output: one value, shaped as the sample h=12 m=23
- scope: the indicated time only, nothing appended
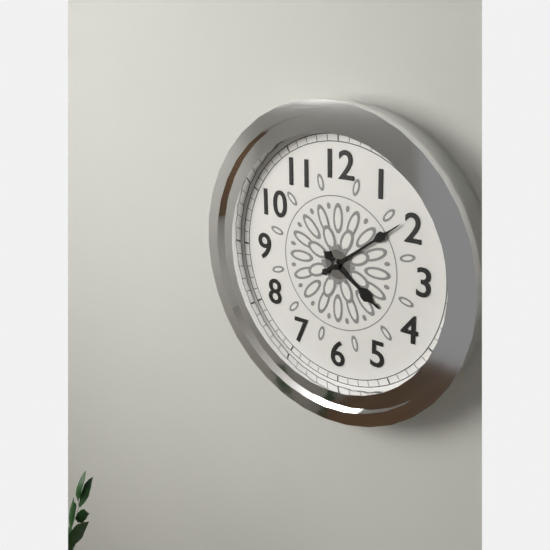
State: h=4 m=9
